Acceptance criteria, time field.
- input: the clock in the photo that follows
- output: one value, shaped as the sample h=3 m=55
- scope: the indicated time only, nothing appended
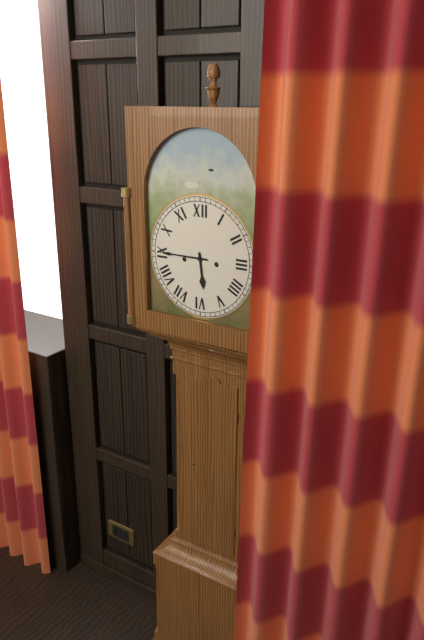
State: h=5 m=45
